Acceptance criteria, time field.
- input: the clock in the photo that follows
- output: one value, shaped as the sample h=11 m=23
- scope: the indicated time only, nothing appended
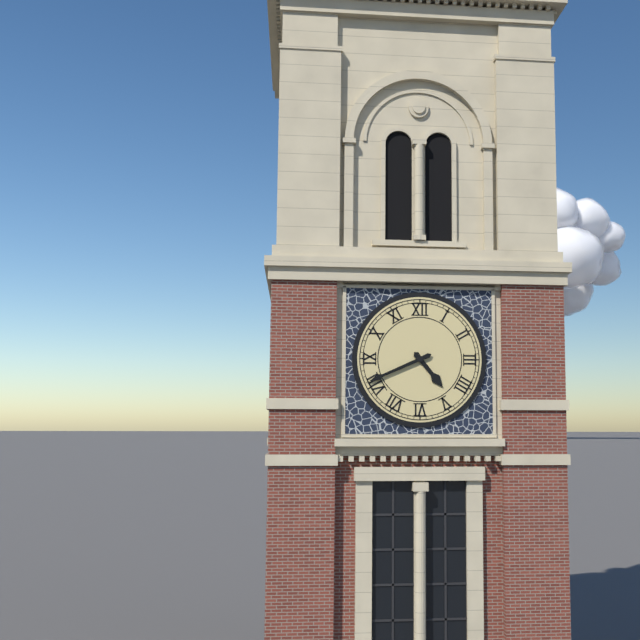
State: h=4 m=41
